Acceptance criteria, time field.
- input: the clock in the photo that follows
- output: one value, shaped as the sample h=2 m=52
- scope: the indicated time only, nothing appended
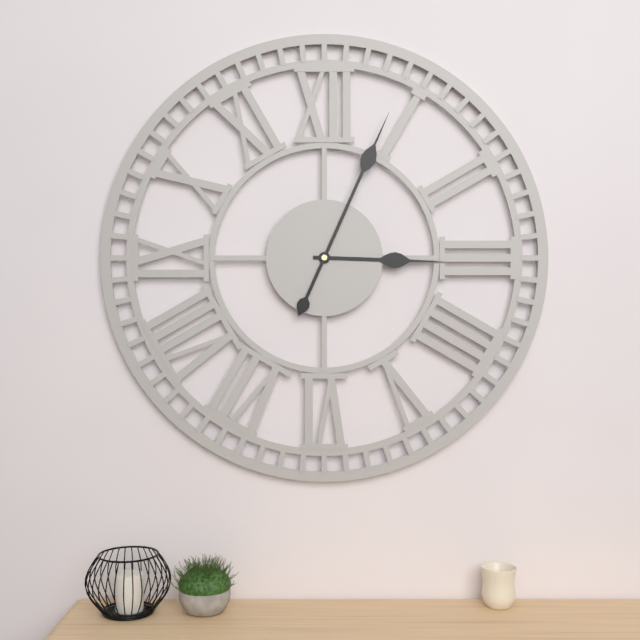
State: h=3 m=4
